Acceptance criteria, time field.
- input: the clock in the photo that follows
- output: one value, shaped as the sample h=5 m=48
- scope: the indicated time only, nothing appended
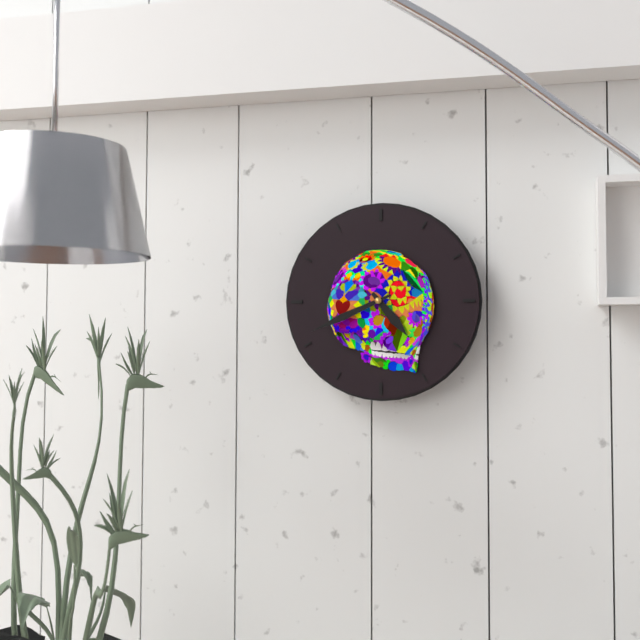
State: h=4 m=41
